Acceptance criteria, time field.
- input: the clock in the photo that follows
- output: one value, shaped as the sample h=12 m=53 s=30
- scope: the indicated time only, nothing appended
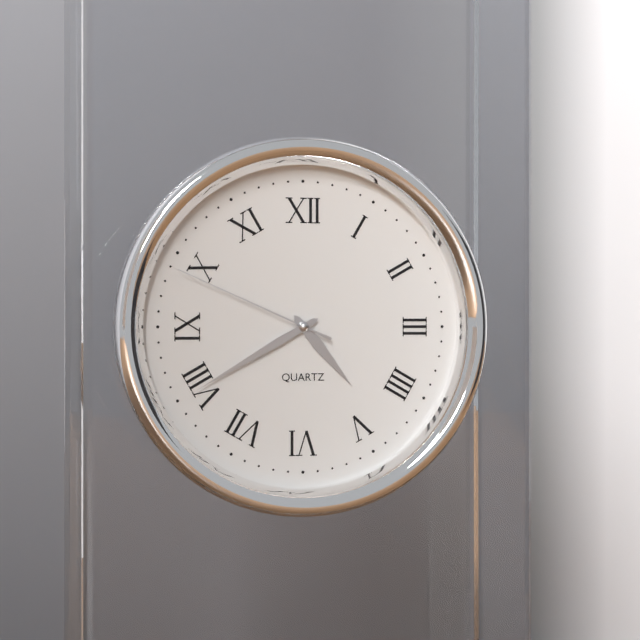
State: h=4 m=40 s=49
